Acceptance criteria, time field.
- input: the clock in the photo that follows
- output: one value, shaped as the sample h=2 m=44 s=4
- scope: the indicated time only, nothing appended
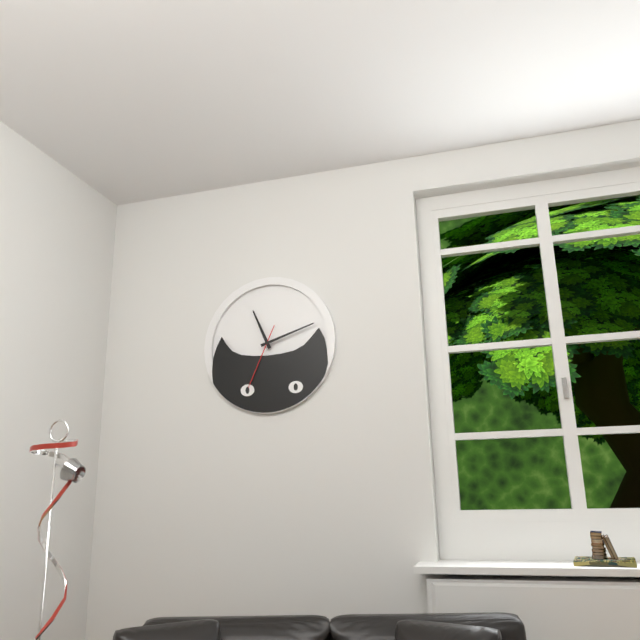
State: h=11 m=12 s=34
